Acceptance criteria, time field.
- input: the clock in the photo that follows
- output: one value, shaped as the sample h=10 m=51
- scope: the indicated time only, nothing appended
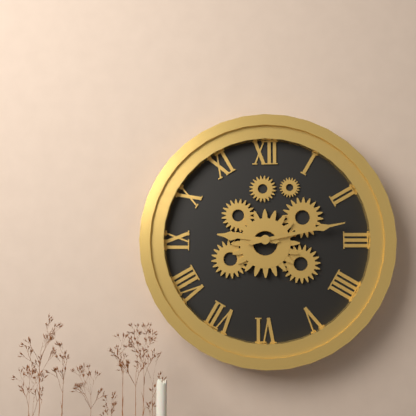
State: h=9 m=13
